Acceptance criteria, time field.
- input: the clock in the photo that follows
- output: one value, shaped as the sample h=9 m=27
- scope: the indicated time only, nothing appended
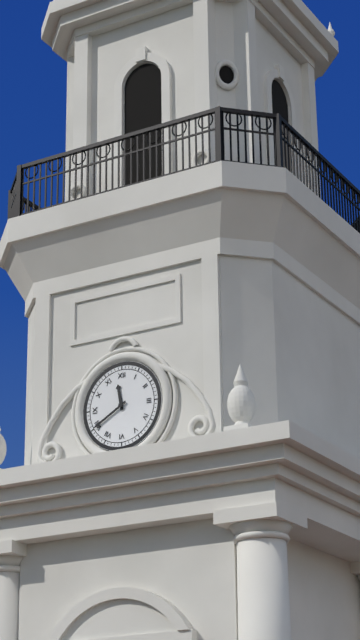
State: h=11 m=40
